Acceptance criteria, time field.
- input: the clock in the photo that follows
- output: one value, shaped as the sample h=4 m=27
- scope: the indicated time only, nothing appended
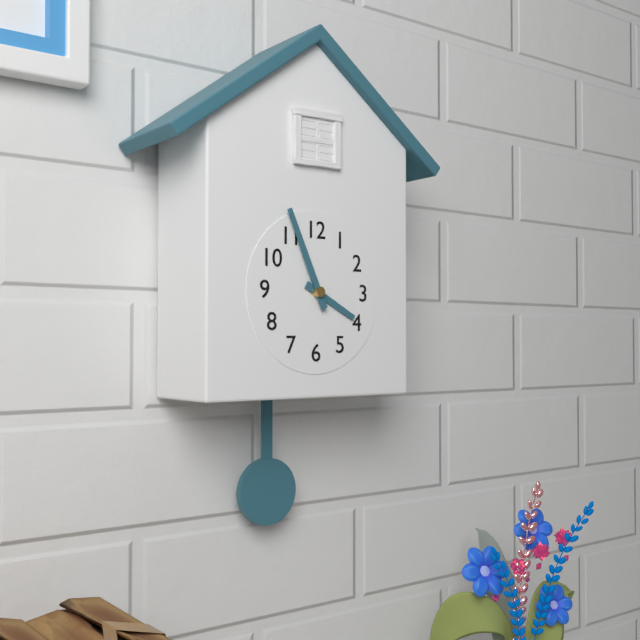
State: h=3 m=56
